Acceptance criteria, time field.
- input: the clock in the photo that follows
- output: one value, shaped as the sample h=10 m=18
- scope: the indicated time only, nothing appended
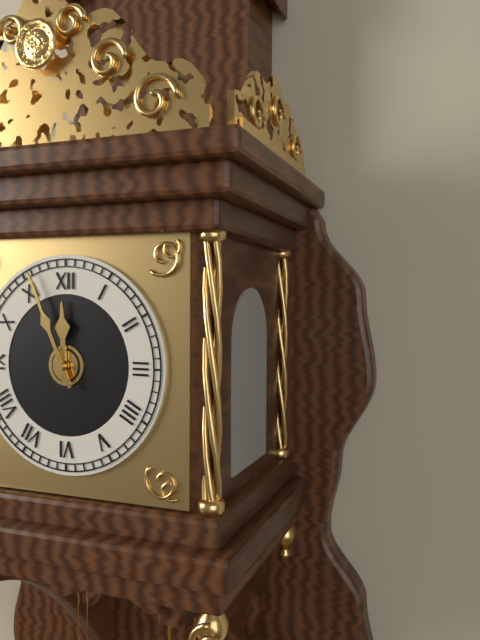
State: h=11 m=56
